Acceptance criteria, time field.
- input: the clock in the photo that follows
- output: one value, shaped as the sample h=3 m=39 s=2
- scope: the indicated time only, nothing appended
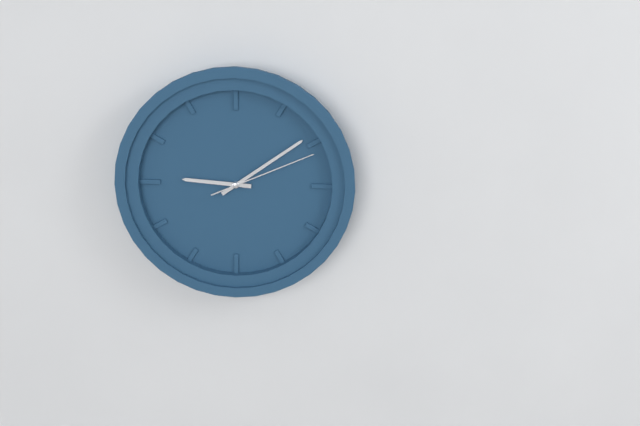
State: h=9 m=9 s=11
